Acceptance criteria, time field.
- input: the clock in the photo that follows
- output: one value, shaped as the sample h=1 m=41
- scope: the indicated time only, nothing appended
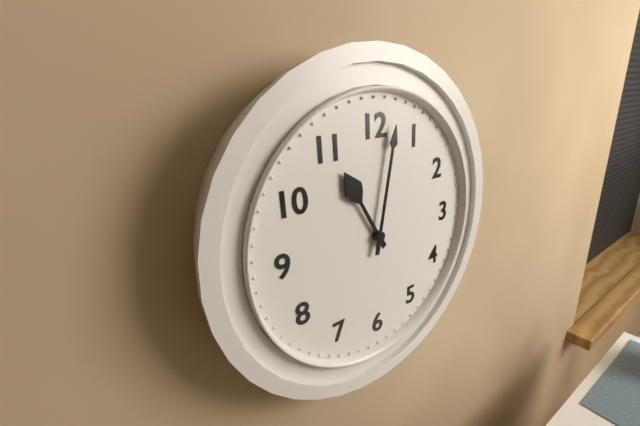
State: h=11 m=2
